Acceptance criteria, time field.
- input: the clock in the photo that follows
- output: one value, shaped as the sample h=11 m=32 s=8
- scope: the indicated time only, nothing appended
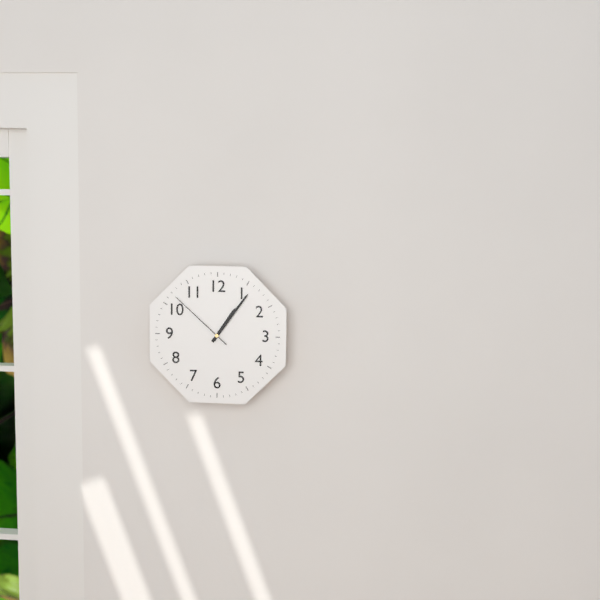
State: h=1 m=6 s=52
